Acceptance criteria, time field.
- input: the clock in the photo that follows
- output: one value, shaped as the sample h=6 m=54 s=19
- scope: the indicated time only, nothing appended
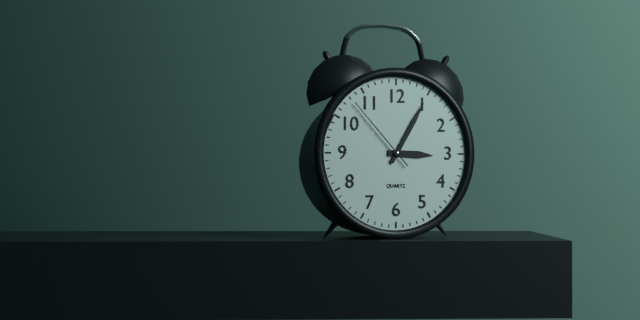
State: h=3 m=5 s=53
